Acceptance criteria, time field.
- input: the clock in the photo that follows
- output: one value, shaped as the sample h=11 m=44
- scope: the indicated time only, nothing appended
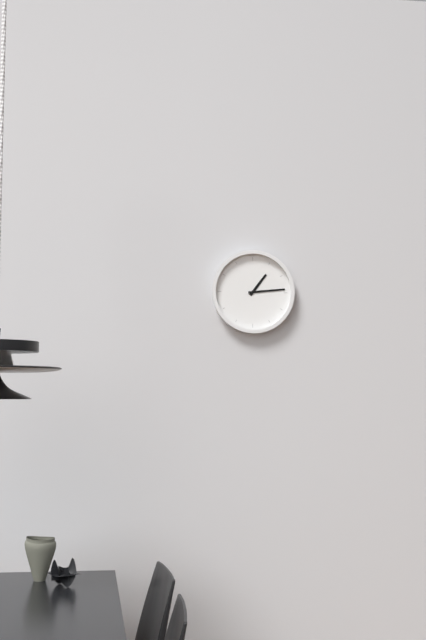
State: h=1 m=14
